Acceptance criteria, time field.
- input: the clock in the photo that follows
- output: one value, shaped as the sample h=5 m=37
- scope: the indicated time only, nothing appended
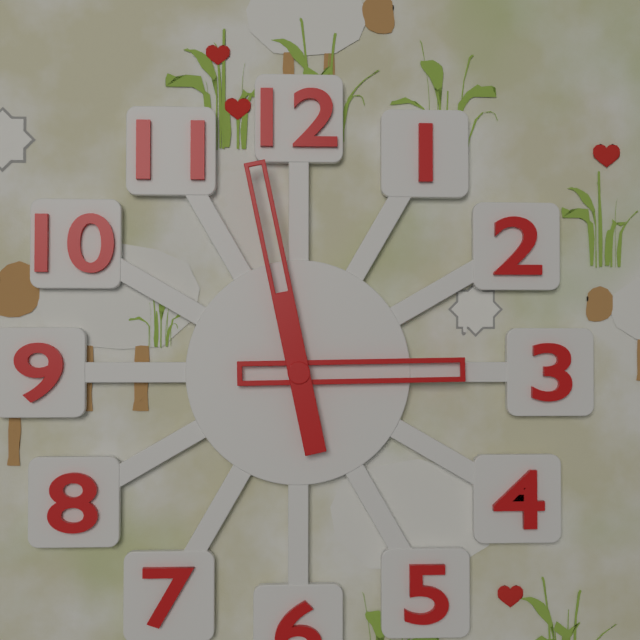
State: h=2 m=58
